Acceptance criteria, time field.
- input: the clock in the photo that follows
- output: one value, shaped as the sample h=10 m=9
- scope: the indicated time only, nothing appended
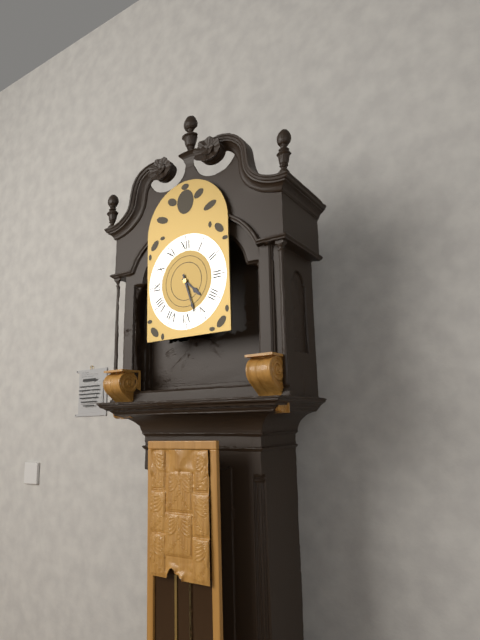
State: h=4 m=27
